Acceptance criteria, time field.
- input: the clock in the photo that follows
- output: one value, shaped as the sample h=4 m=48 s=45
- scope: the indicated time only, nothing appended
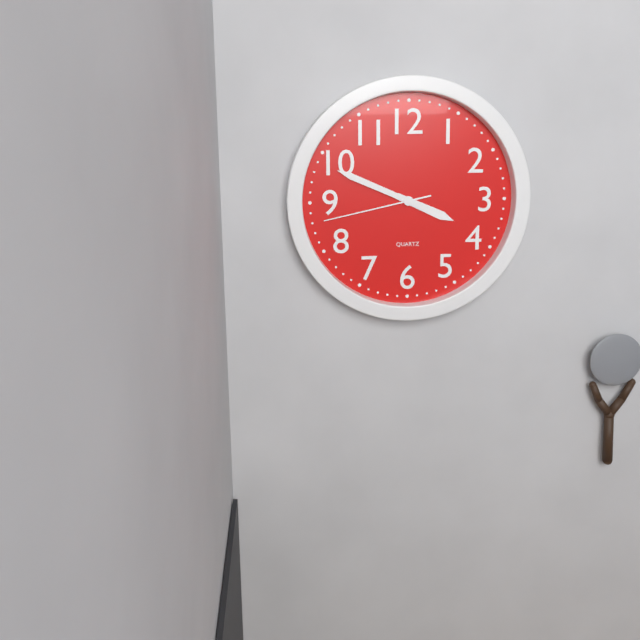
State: h=3 m=49 s=43
